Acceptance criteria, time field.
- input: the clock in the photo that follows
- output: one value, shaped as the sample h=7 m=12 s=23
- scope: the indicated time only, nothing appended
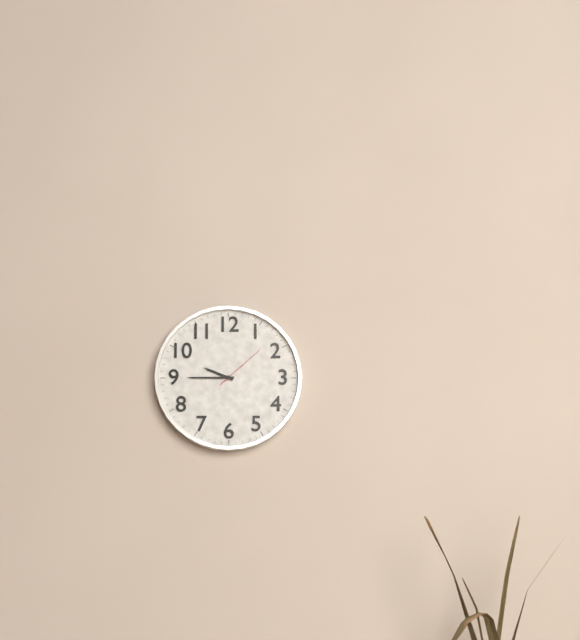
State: h=9 m=45 s=8
